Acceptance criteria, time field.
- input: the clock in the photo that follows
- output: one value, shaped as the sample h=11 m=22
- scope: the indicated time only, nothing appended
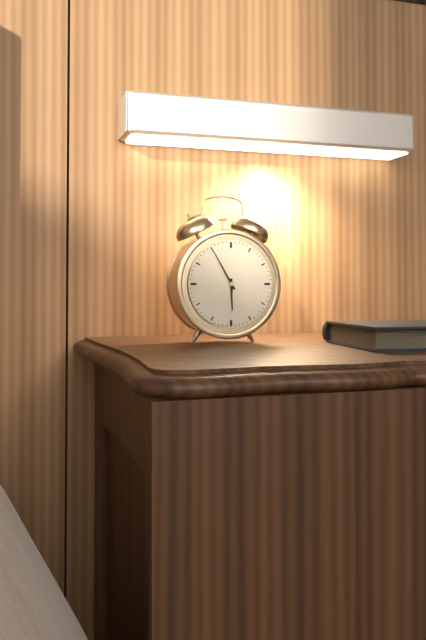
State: h=5 m=55
